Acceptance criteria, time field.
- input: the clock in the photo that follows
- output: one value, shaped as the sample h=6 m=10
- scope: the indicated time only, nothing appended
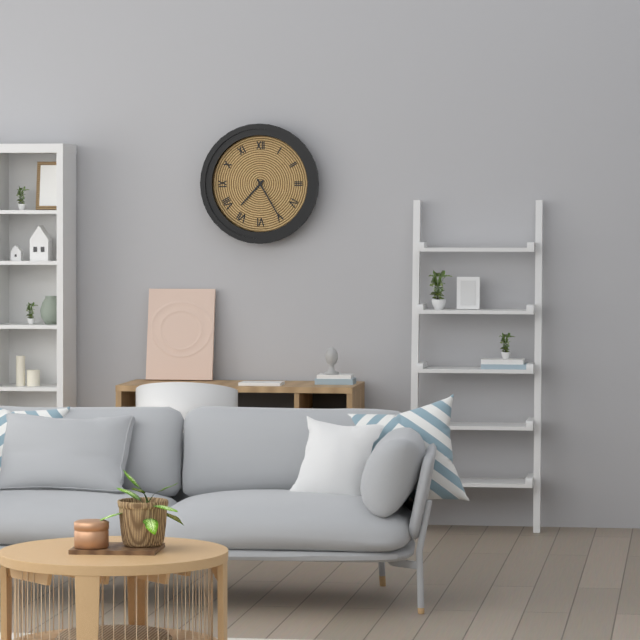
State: h=7 m=25
